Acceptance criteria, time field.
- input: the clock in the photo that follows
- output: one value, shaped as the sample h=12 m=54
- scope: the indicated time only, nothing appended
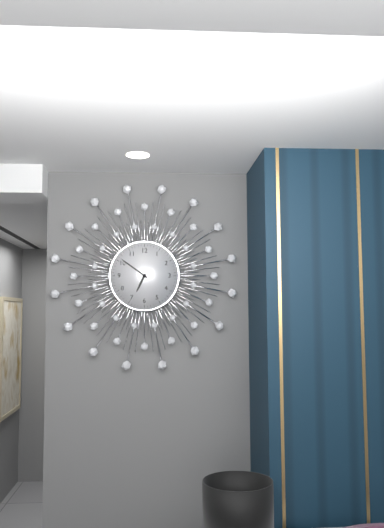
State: h=6 m=51
